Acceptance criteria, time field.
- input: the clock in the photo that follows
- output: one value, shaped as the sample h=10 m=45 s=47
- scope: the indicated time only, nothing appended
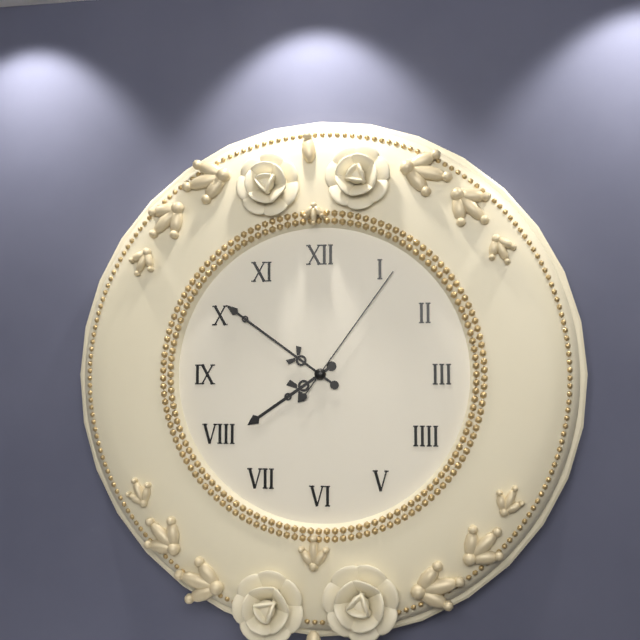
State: h=7 m=51 s=6
